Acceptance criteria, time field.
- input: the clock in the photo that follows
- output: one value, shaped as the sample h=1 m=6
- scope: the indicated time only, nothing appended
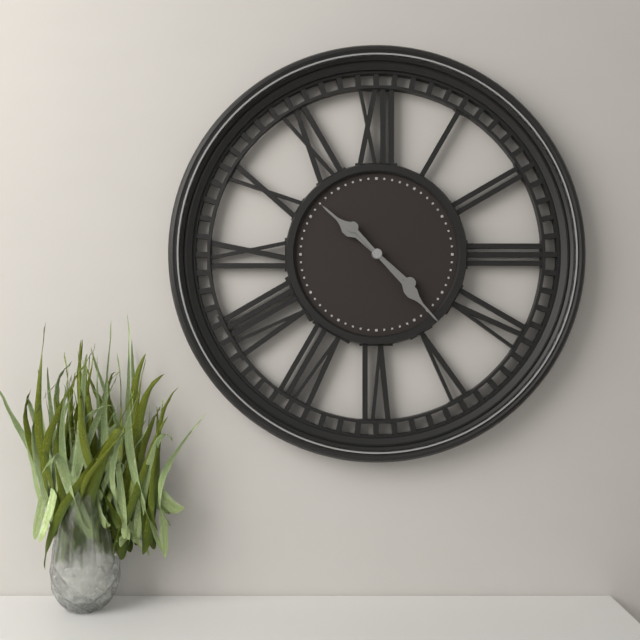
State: h=10 m=23
